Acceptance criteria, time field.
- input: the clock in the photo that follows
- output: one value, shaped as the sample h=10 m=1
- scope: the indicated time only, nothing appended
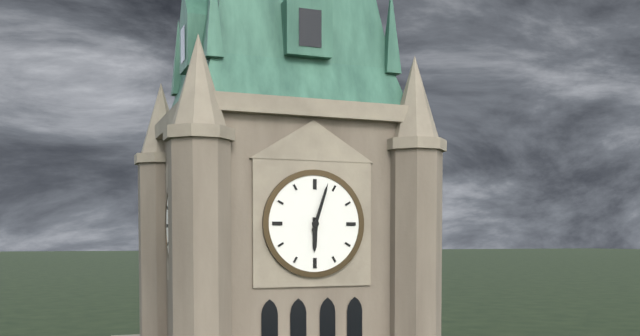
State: h=6 m=3
